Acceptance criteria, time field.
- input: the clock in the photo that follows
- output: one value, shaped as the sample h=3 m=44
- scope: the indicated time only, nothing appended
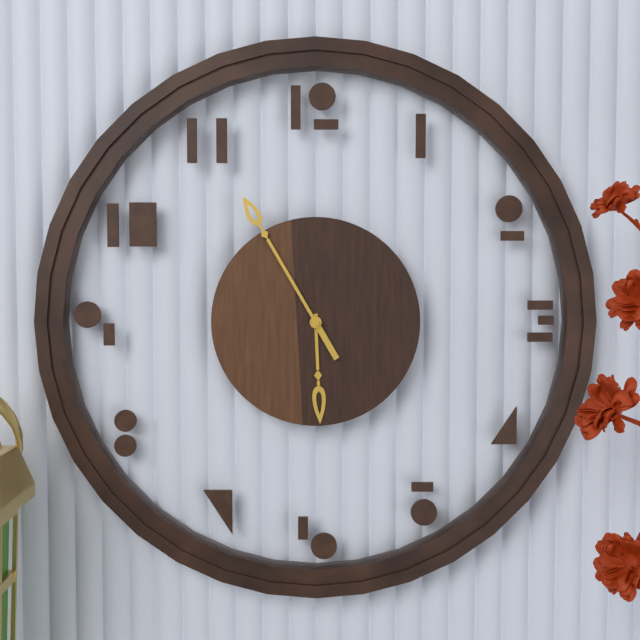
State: h=5 m=55
